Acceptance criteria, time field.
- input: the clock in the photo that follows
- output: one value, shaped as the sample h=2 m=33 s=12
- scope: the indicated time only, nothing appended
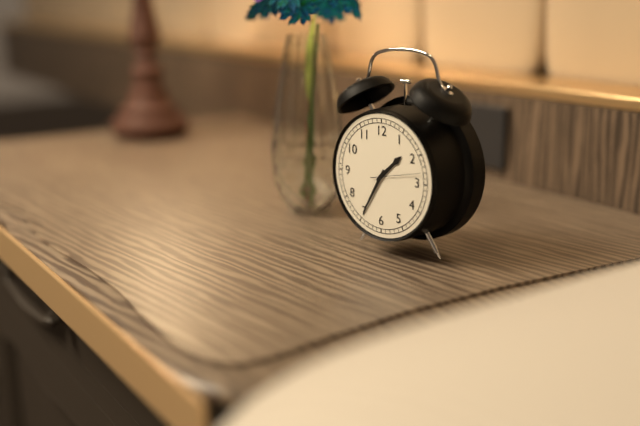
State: h=1 m=35 s=13
